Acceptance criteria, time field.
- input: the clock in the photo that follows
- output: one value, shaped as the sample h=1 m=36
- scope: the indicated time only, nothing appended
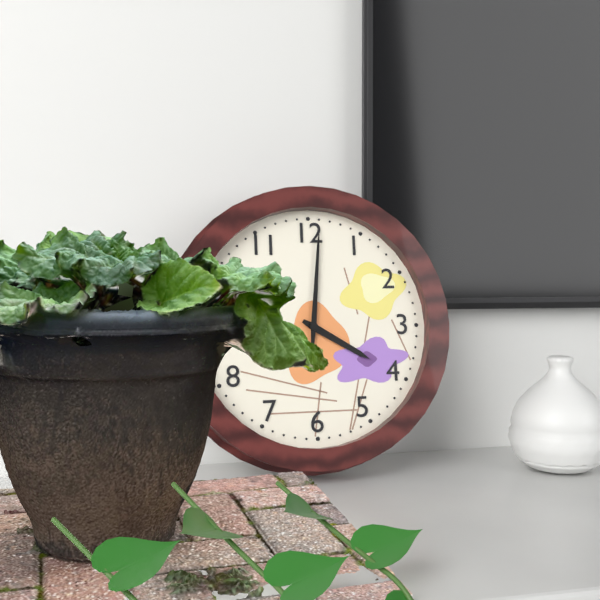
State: h=4 m=1
